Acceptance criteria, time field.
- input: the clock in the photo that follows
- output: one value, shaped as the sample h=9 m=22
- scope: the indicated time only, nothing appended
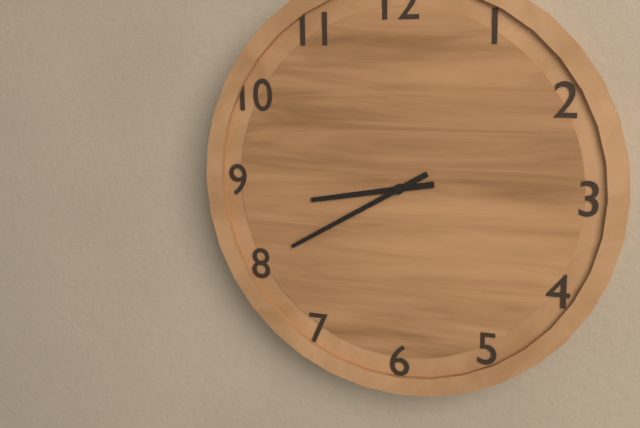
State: h=8 m=40
